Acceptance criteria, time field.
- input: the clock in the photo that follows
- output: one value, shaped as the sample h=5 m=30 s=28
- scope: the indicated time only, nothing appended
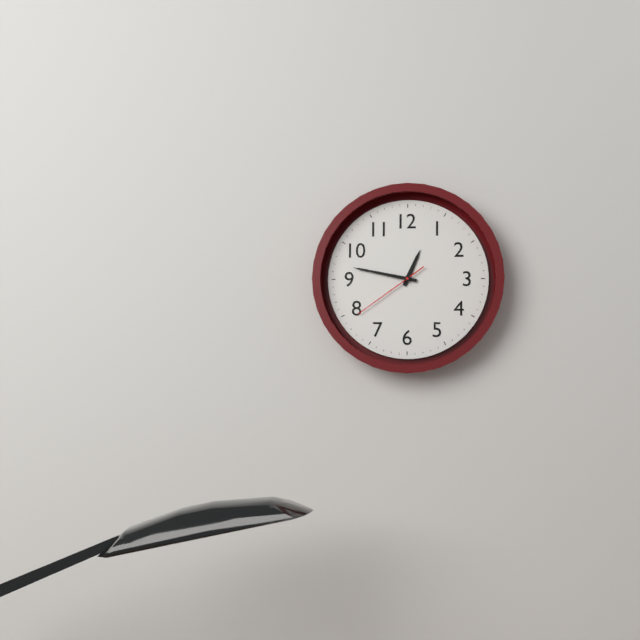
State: h=12 m=47 s=39
